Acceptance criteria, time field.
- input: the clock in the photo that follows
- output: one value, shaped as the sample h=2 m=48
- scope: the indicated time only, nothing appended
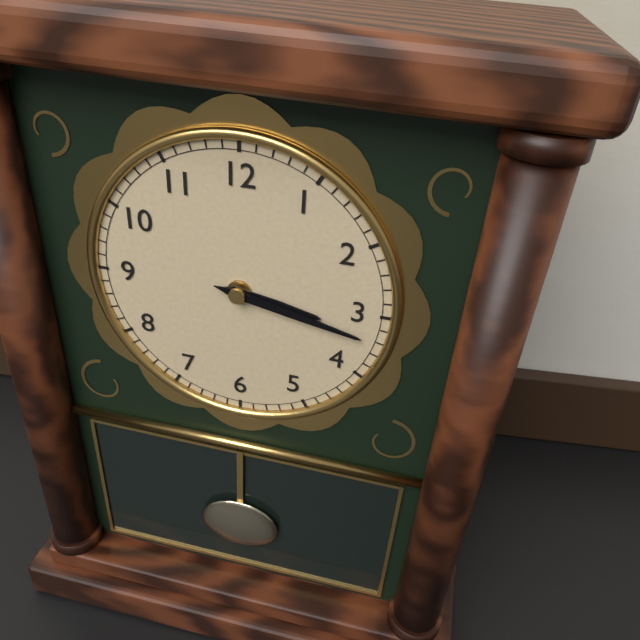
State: h=3 m=17
